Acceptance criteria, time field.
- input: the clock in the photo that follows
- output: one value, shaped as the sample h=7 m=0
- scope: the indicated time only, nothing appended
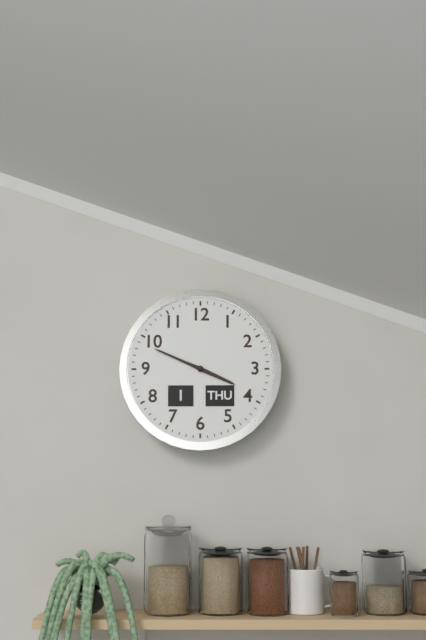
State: h=3 m=49
